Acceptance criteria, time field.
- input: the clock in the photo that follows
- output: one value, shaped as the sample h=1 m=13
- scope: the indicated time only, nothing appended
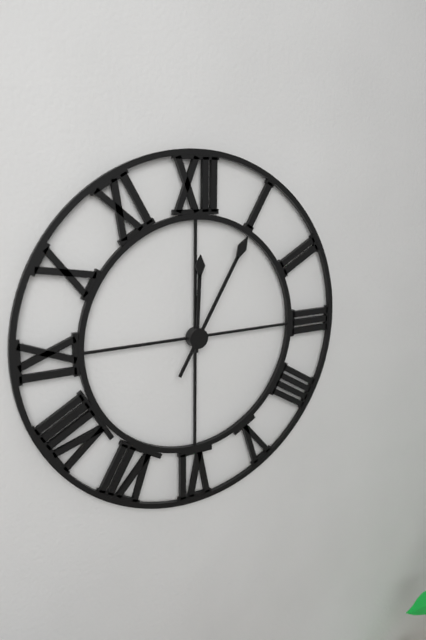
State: h=12 m=5
